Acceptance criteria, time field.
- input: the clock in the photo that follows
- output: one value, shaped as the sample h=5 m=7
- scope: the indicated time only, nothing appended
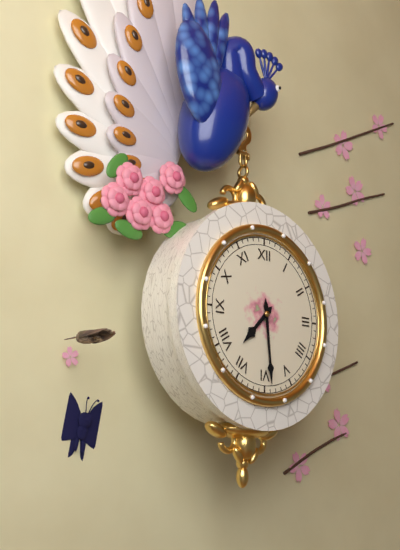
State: h=7 m=29
